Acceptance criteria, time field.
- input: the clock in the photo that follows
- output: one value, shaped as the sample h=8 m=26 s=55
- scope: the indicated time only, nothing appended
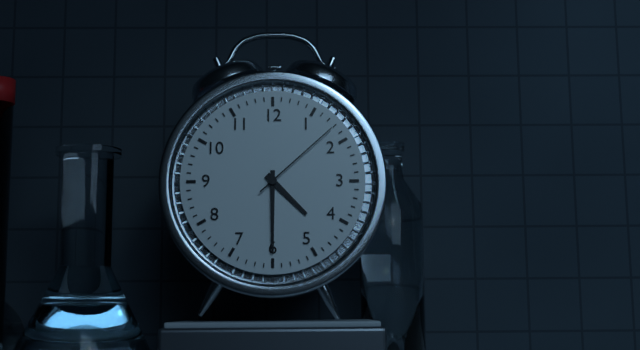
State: h=4 m=30 s=8
